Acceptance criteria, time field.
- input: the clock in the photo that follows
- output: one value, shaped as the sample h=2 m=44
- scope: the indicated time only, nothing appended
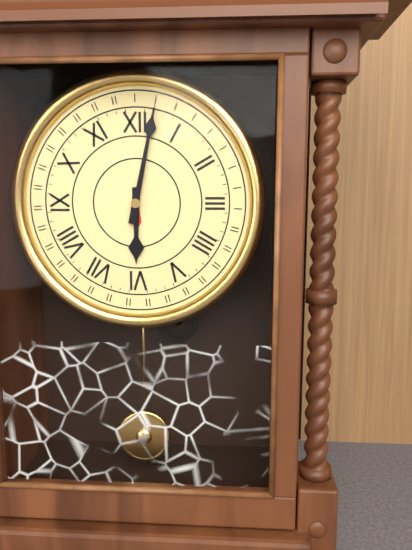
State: h=6 m=2
